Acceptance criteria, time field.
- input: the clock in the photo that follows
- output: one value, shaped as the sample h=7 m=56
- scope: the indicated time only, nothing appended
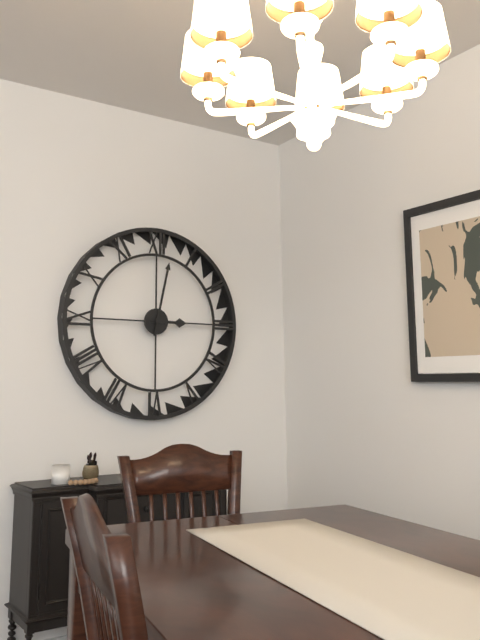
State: h=3 m=2
